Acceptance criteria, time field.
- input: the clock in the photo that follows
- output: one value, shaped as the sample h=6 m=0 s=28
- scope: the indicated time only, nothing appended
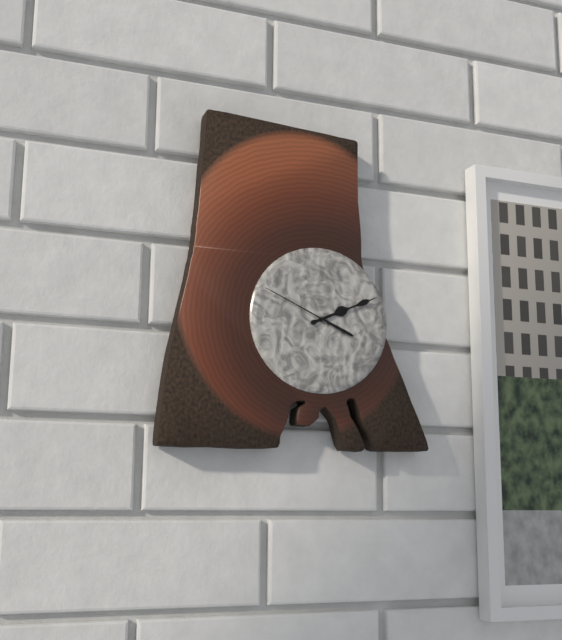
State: h=2 m=11 s=49
